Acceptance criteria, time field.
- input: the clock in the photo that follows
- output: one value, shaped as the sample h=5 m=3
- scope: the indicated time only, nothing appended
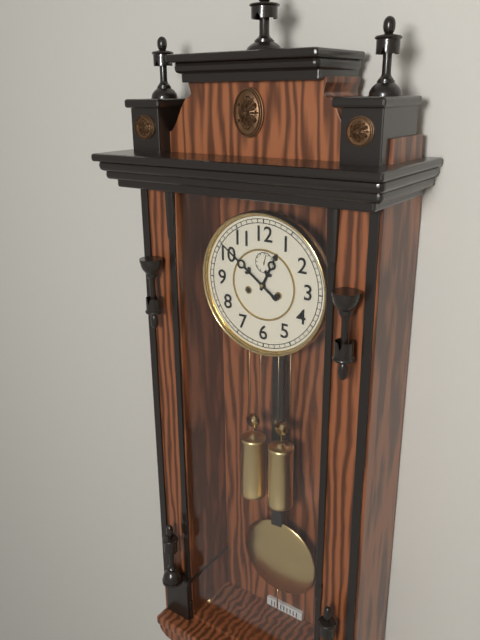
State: h=12 m=51
